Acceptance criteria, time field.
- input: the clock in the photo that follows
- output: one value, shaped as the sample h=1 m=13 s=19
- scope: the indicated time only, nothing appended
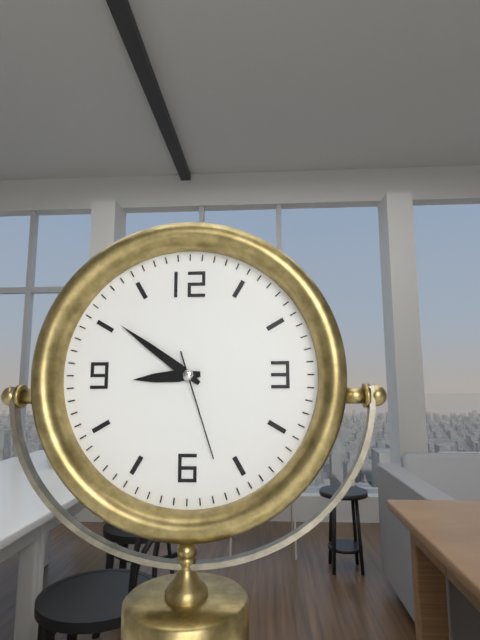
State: h=8 m=51 s=27
